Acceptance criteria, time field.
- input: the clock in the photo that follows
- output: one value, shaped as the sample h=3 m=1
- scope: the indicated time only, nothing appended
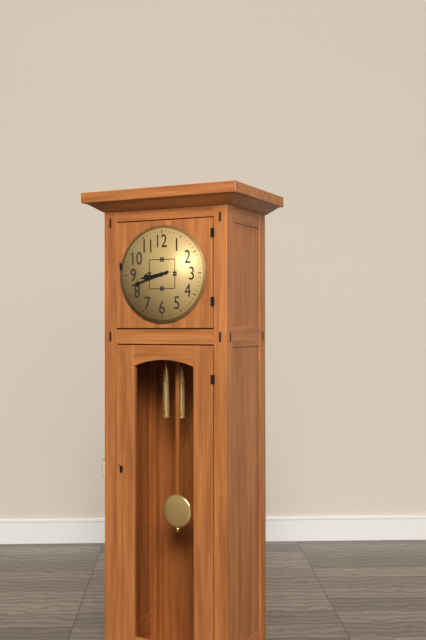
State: h=8 m=42
